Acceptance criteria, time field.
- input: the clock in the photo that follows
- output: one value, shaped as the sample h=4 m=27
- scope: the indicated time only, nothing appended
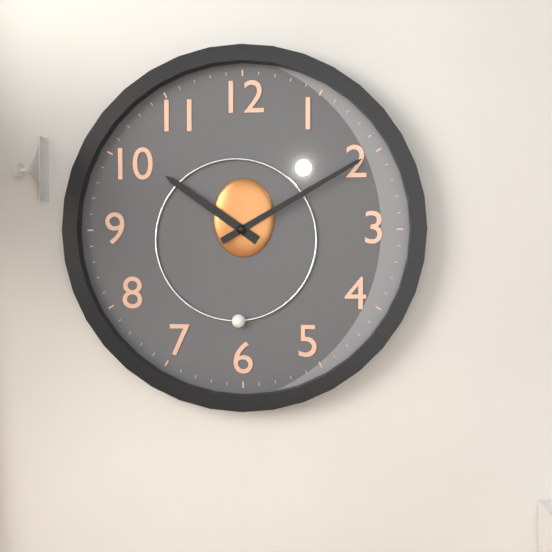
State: h=10 m=10
